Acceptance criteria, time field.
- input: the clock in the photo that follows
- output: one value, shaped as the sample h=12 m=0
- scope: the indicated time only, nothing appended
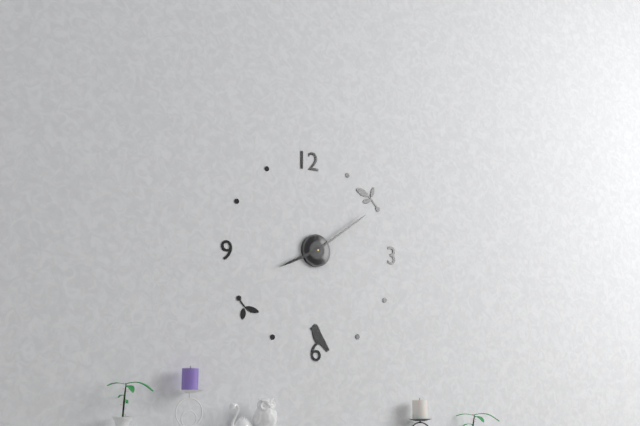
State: h=8 m=9
